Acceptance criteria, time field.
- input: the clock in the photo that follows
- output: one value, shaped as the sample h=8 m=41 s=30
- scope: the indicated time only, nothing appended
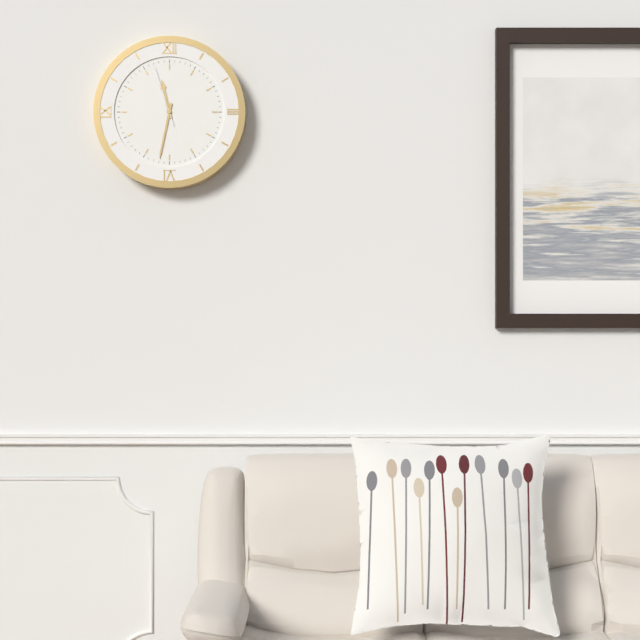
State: h=11 m=32 s=57
